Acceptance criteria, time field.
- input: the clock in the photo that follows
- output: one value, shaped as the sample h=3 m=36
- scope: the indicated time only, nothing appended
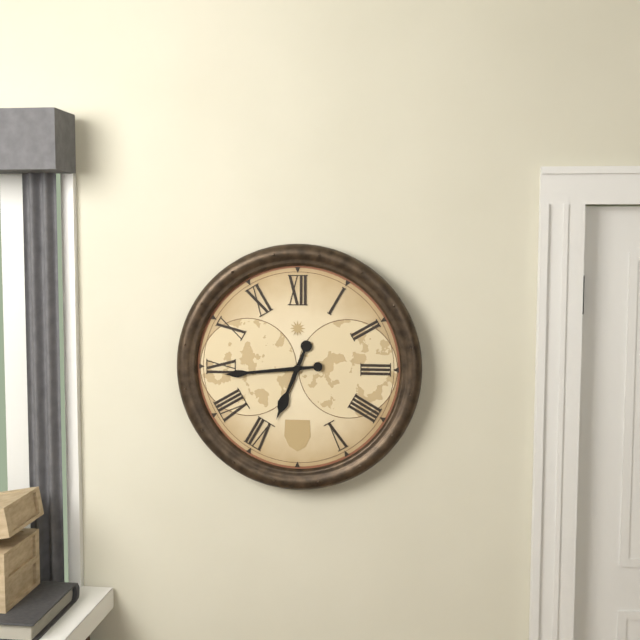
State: h=6 m=44
